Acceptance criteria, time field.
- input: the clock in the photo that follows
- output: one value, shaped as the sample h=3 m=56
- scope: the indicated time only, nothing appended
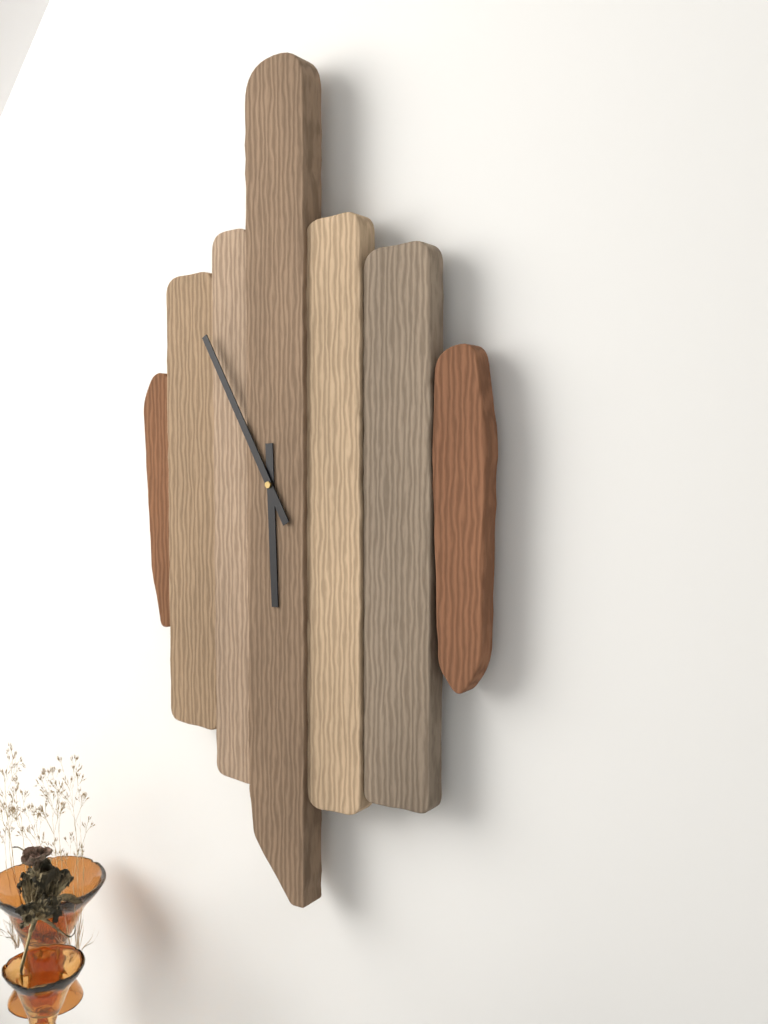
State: h=5 m=55
